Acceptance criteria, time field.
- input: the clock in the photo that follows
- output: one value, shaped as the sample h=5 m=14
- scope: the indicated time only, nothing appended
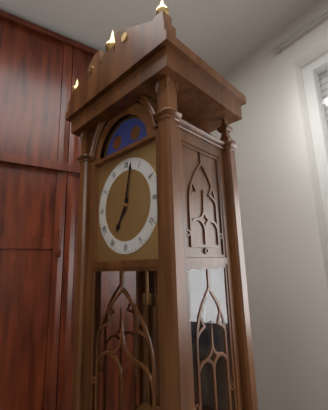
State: h=7 m=2
